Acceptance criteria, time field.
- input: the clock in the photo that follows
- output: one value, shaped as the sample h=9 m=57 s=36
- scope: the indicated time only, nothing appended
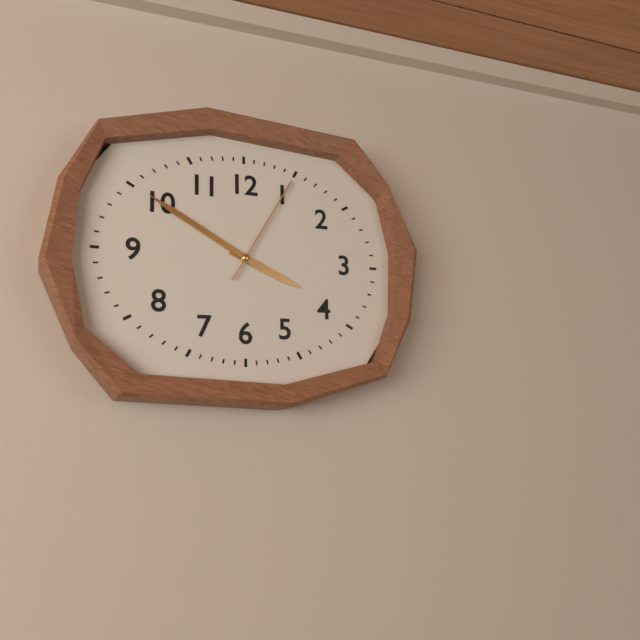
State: h=3 m=50 s=5
